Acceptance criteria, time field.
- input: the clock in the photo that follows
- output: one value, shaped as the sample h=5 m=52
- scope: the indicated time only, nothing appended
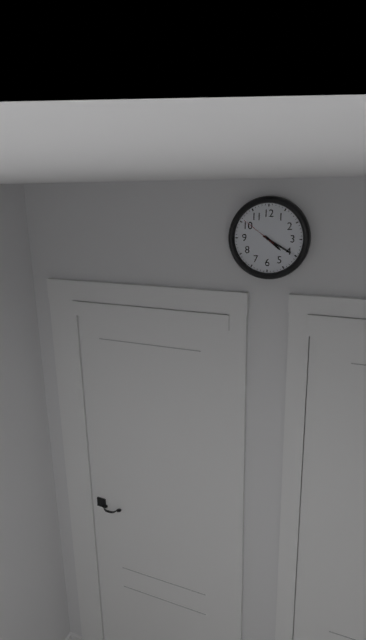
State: h=4 m=20
